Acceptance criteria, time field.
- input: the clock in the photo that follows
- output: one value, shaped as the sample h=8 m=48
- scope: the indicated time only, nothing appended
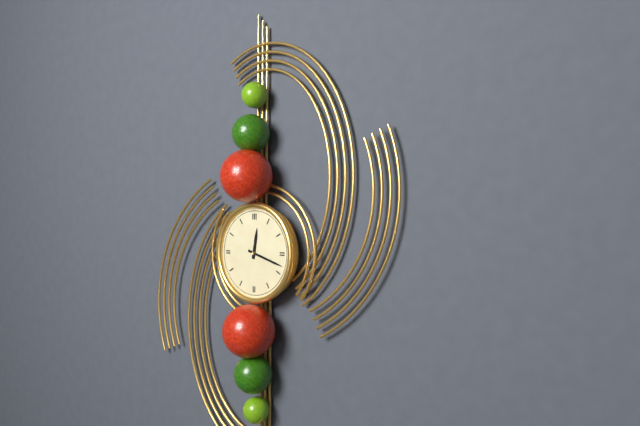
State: h=12 m=18
